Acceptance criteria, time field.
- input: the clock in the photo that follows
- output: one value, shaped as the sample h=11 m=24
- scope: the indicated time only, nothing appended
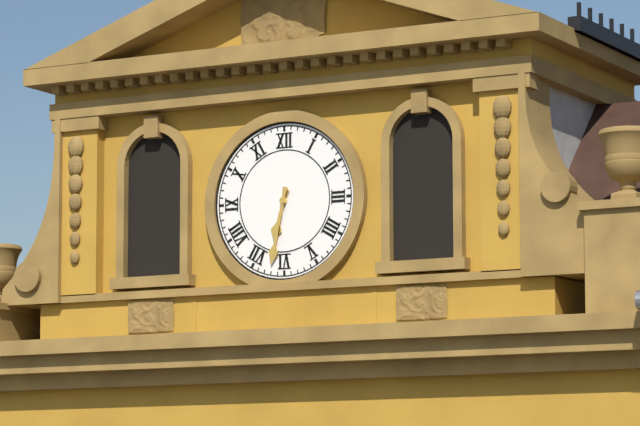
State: h=6 m=32
